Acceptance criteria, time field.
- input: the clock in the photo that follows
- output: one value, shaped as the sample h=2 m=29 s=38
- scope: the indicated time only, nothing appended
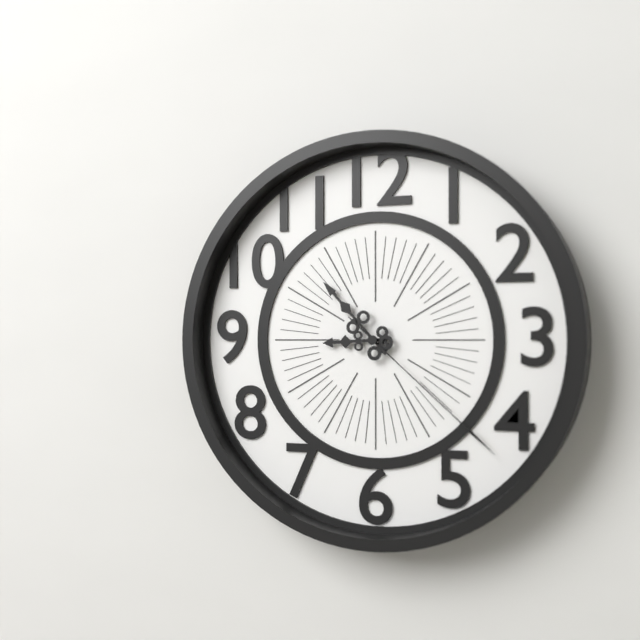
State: h=8 m=53 s=22
